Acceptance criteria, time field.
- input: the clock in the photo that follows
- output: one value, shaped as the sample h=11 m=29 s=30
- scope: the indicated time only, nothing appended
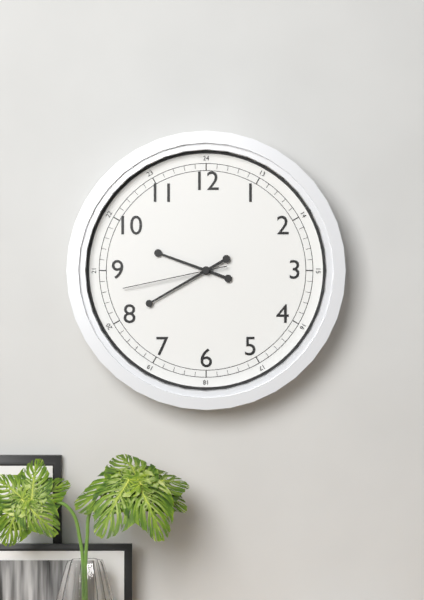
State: h=9 m=40 s=43
